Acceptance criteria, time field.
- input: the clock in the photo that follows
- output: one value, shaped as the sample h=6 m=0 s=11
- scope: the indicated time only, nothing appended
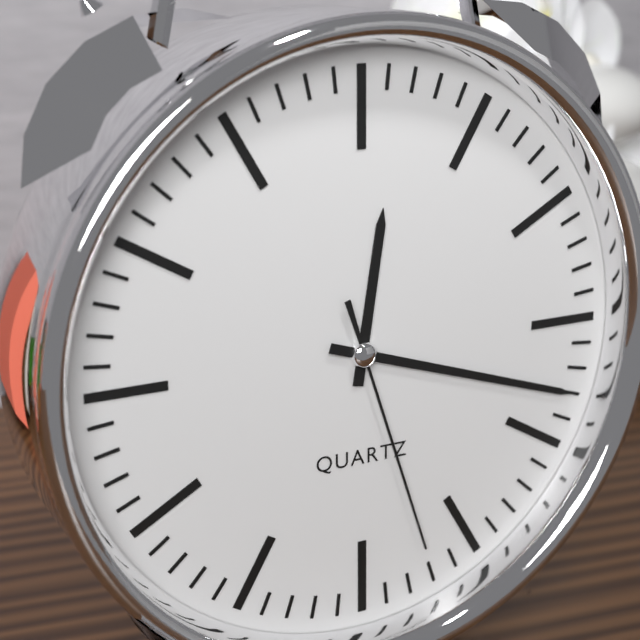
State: h=12 m=18 s=27
